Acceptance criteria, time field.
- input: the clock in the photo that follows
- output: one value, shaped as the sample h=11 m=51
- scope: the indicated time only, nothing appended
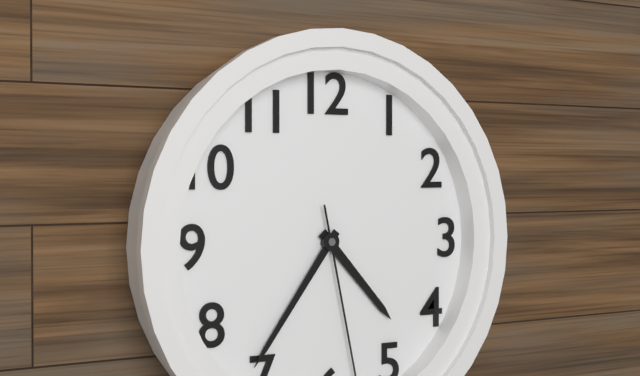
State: h=4 m=36
